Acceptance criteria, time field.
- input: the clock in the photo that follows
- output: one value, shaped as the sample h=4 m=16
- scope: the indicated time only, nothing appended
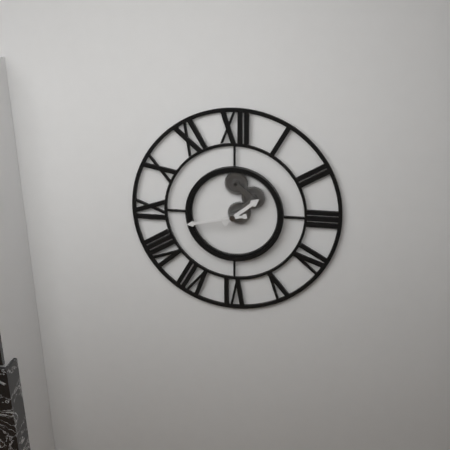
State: h=1 m=43
